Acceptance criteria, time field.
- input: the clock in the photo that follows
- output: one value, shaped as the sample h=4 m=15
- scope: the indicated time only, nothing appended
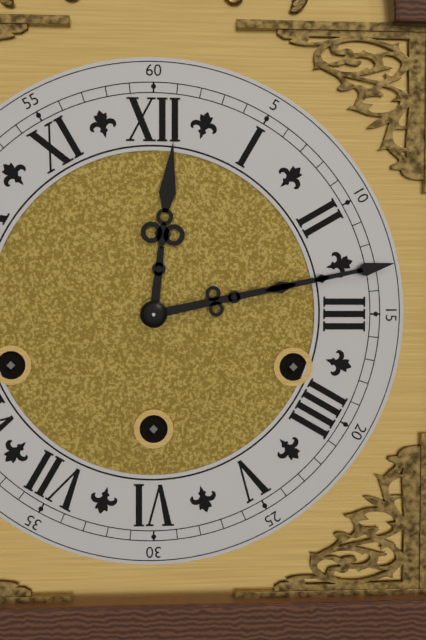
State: h=12 m=13
